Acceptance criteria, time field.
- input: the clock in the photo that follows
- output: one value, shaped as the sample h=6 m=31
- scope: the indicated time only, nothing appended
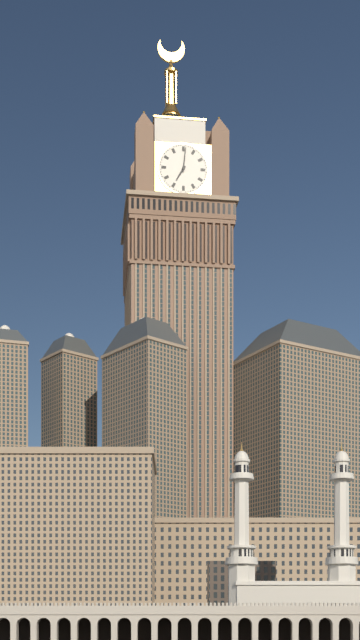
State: h=7 m=1
